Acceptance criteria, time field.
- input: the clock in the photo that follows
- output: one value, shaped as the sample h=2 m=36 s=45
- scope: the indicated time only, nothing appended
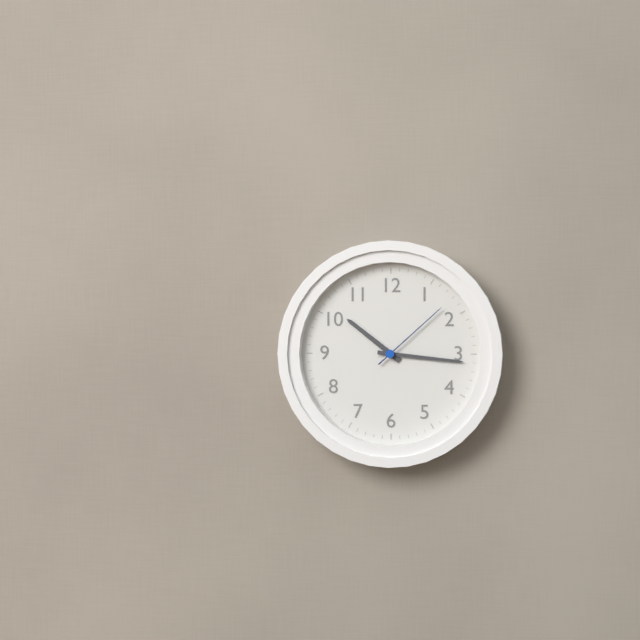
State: h=10 m=16 s=8
